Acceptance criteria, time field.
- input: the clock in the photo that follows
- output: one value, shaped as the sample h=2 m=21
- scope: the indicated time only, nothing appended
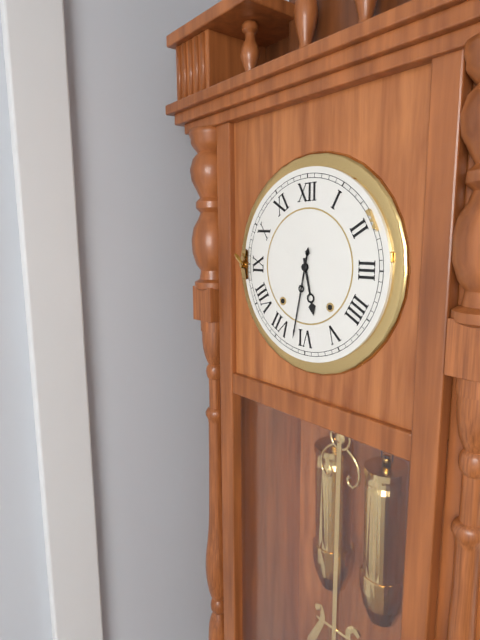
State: h=5 m=32
